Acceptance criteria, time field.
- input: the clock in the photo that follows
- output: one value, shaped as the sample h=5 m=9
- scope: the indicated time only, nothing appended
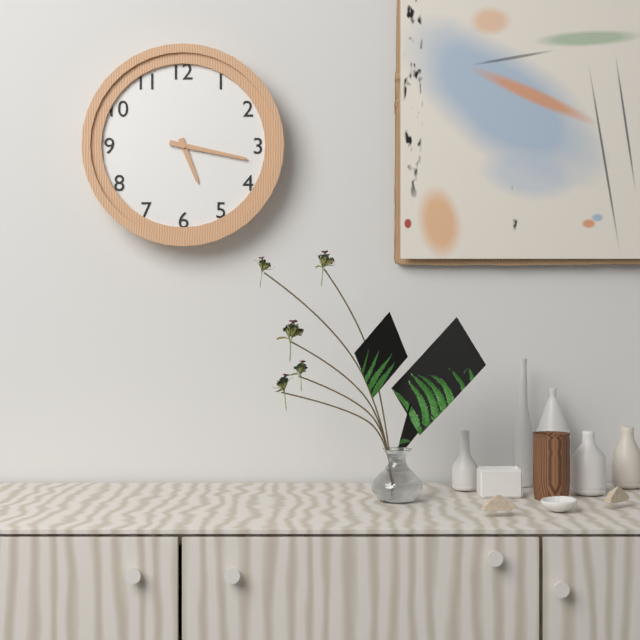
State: h=5 m=17
